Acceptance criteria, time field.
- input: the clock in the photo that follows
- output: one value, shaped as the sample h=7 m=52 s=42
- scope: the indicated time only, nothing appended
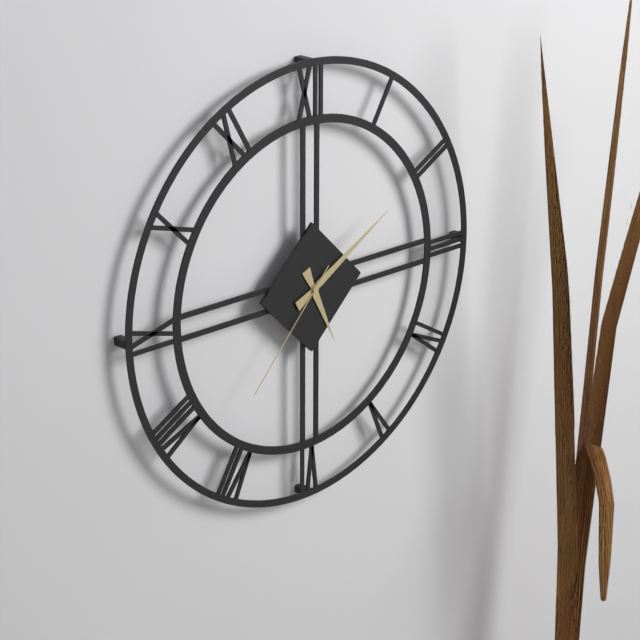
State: h=5 m=10 s=37
